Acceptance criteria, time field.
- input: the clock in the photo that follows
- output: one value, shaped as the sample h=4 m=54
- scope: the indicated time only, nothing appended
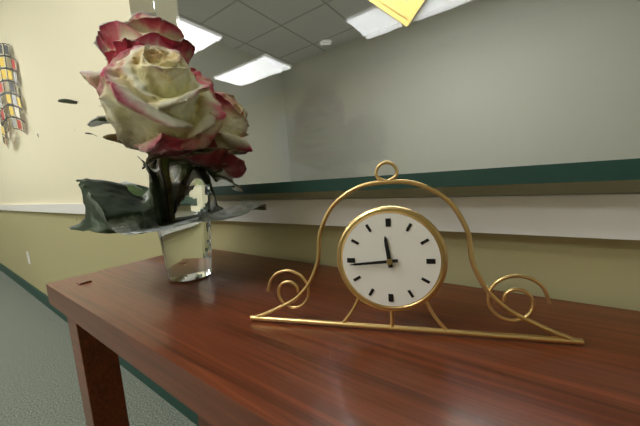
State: h=11 m=44
